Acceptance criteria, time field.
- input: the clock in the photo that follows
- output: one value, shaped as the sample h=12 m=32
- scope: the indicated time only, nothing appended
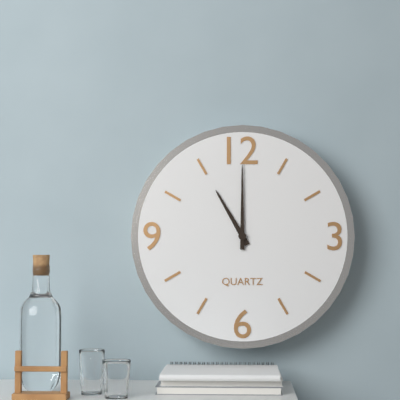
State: h=11 m=0
